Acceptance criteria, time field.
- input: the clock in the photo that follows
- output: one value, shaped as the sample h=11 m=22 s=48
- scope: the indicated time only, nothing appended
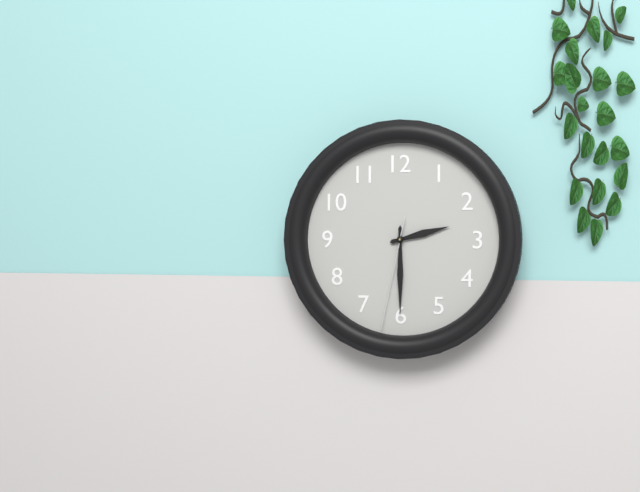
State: h=2 m=30 s=32
